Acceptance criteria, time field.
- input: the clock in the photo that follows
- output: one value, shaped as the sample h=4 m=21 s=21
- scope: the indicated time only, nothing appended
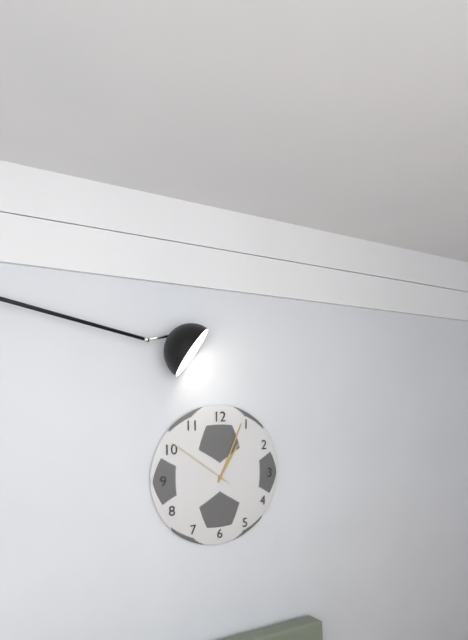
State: h=1 m=4 s=51
